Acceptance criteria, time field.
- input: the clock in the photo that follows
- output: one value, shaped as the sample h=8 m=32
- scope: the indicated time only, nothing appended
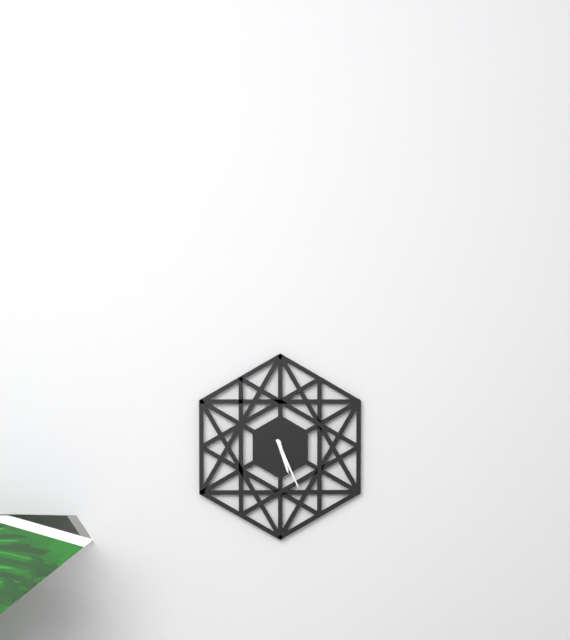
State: h=5 m=26
